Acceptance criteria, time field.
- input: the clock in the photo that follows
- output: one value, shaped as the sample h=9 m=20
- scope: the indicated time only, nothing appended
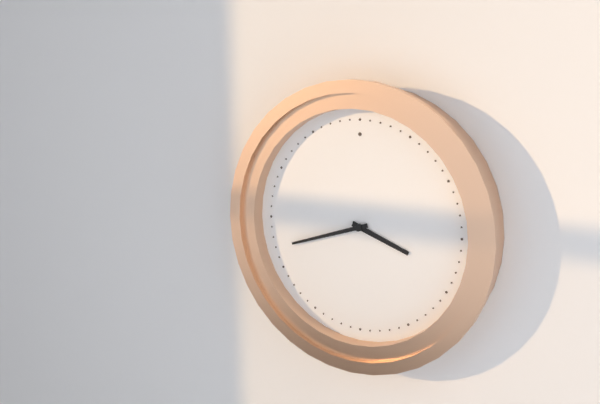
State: h=3 m=42
